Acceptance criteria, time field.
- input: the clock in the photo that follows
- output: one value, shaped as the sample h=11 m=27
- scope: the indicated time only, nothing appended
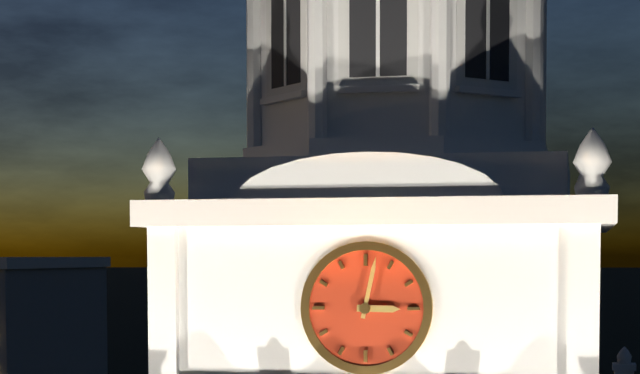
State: h=3 m=2
